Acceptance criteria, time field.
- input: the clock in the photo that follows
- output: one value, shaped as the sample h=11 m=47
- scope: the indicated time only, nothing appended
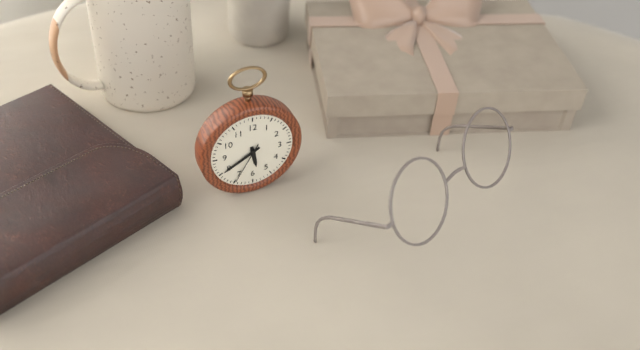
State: h=5 m=40
